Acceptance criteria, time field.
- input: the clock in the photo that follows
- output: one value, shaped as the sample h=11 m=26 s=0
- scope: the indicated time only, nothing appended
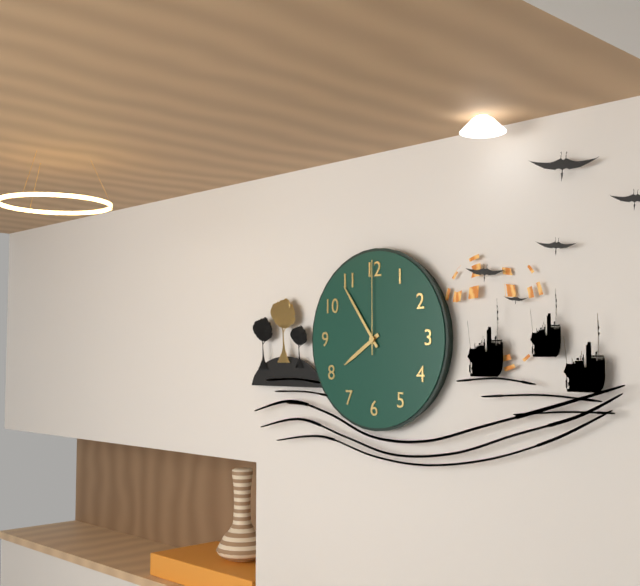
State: h=7 m=54 s=0
